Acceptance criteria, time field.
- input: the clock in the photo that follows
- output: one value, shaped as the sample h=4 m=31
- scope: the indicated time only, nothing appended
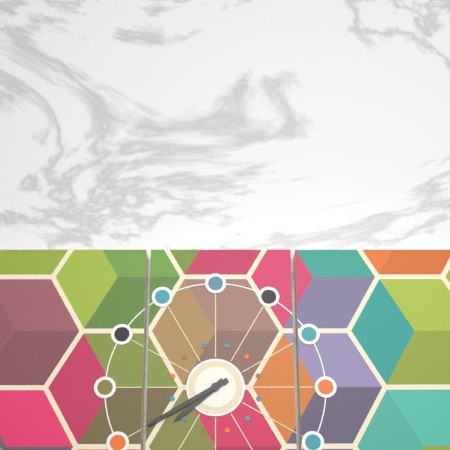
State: h=7 m=40
